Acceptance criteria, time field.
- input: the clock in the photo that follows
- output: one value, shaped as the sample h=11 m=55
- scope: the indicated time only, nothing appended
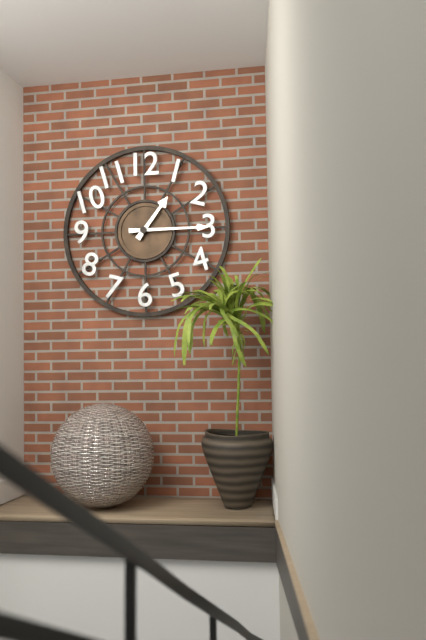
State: h=1 m=15
